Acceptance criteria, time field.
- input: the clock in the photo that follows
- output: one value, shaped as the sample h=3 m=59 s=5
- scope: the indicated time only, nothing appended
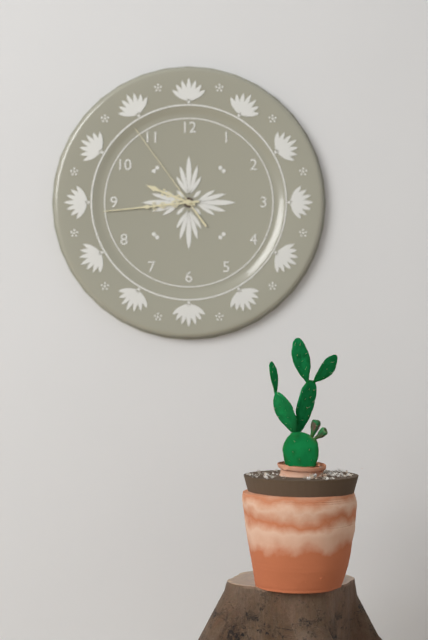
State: h=9 m=44 s=54
